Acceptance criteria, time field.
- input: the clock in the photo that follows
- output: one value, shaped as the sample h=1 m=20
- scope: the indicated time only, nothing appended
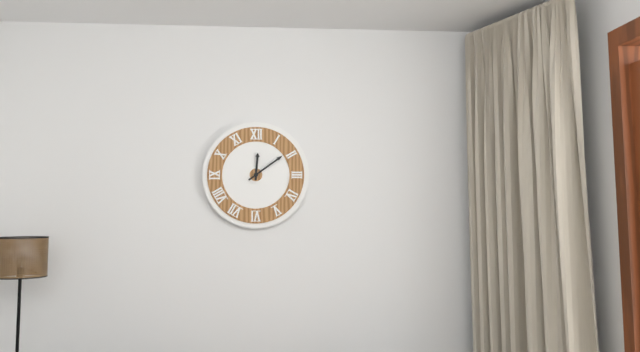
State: h=12 m=9
